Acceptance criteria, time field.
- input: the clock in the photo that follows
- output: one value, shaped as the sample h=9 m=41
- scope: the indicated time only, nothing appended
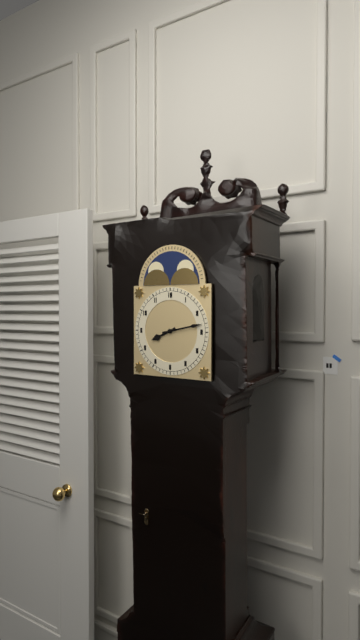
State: h=8 m=13
